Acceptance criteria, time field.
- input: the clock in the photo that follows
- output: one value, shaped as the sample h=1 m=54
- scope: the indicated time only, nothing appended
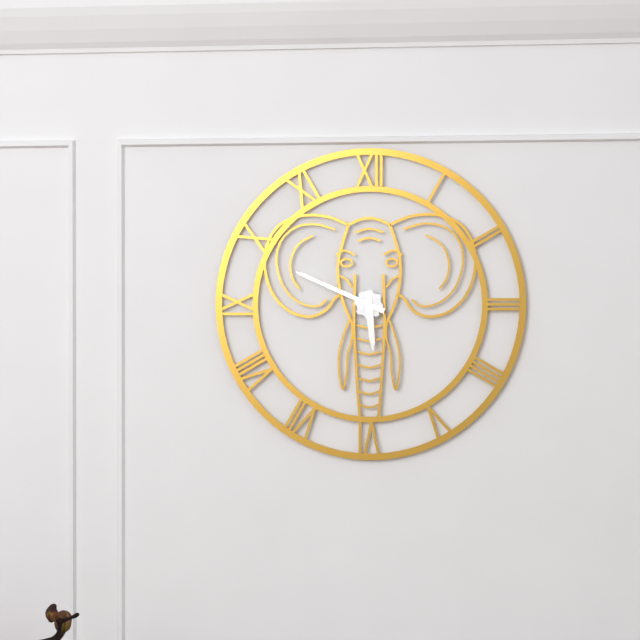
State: h=5 m=49
